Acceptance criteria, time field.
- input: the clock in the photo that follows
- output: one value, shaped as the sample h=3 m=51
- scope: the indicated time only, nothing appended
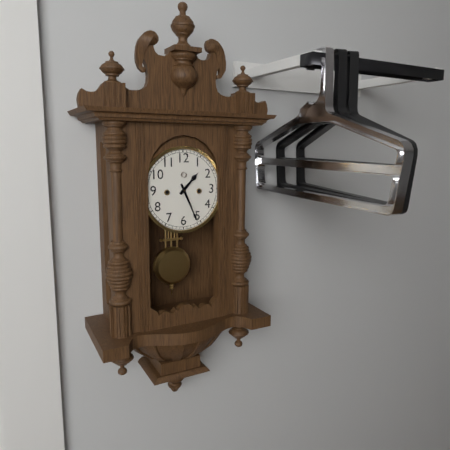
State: h=1 m=26
